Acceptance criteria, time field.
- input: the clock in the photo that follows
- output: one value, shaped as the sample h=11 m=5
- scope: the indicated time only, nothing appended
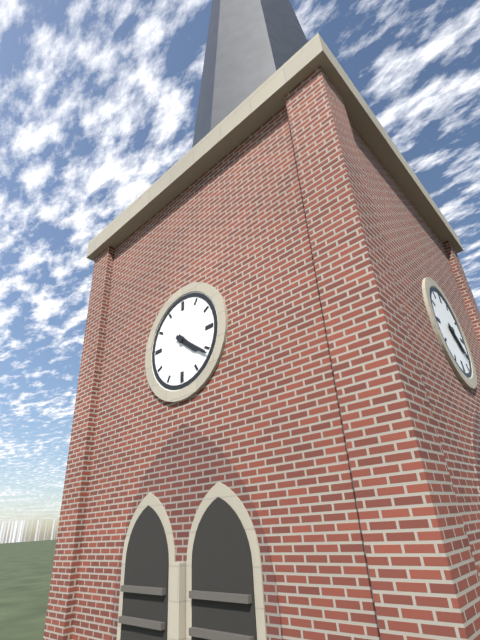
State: h=4 m=21
